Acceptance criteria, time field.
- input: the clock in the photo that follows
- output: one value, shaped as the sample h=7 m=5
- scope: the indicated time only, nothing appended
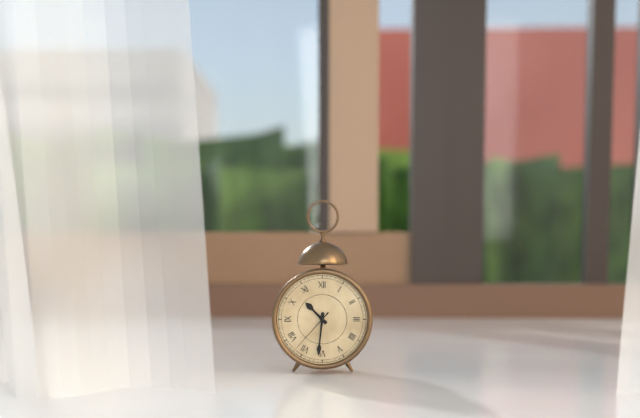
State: h=10 m=31
